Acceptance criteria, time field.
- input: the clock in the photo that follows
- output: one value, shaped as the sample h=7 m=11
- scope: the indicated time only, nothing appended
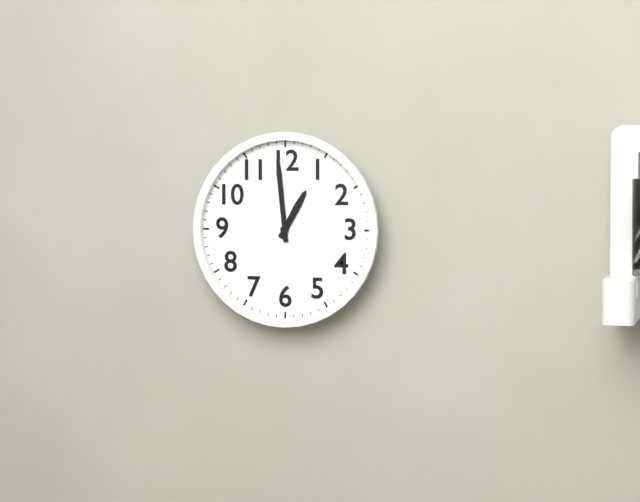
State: h=12 m=59
